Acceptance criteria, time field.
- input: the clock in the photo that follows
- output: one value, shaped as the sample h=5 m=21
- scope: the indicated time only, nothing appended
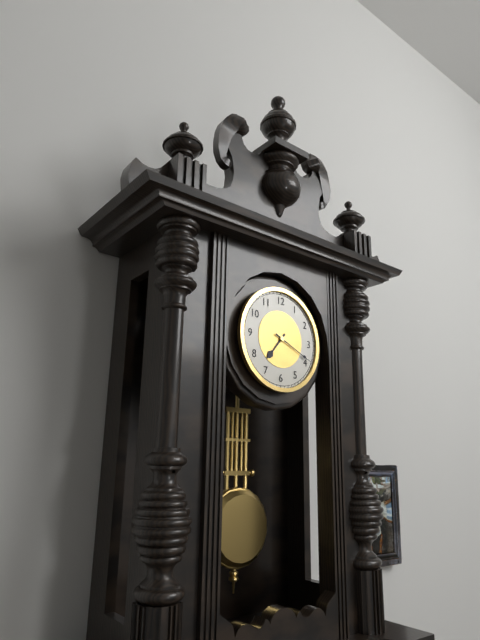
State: h=7 m=19
